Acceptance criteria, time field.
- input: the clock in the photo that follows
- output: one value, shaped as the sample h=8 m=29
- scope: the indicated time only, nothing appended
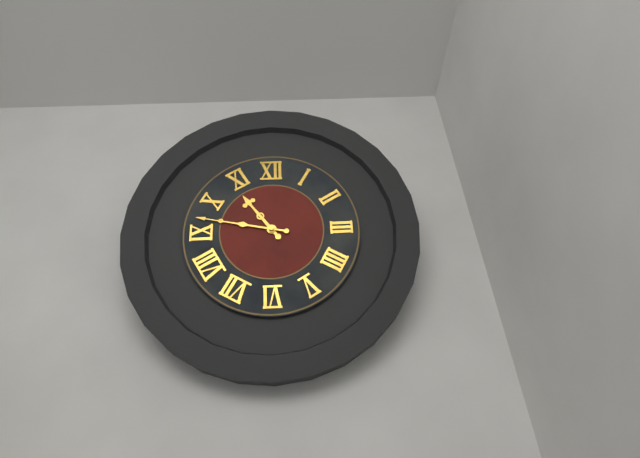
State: h=10 m=47
